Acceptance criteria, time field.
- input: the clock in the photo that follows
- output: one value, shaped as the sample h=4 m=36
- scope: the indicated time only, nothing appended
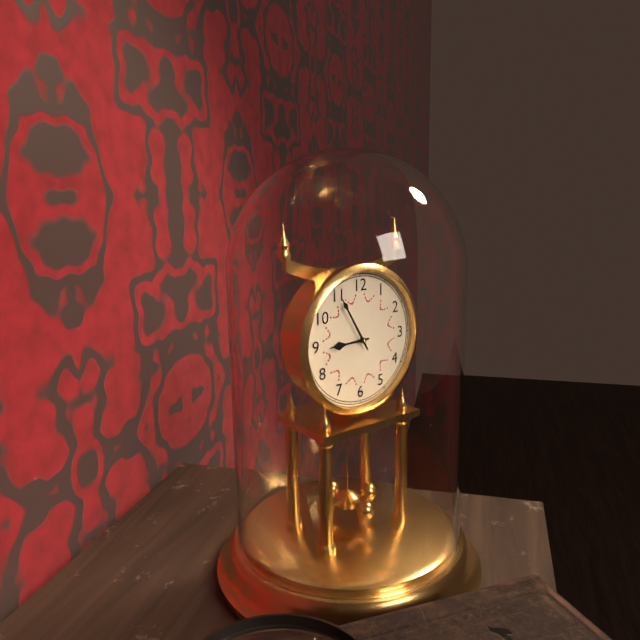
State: h=8 m=55
